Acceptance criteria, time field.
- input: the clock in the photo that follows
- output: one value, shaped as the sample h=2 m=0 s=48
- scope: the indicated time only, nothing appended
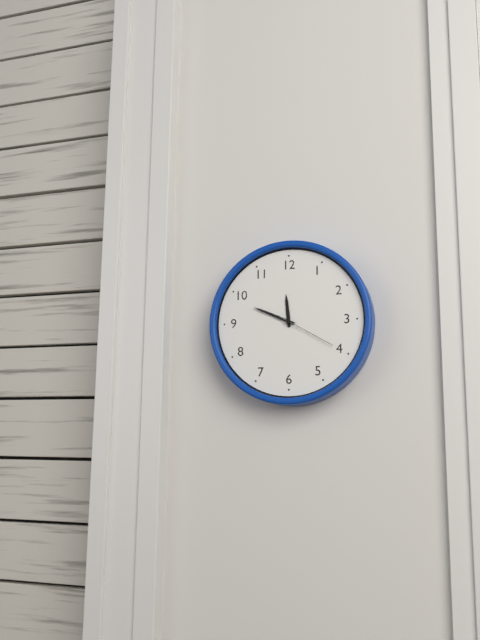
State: h=11 m=49 s=20
